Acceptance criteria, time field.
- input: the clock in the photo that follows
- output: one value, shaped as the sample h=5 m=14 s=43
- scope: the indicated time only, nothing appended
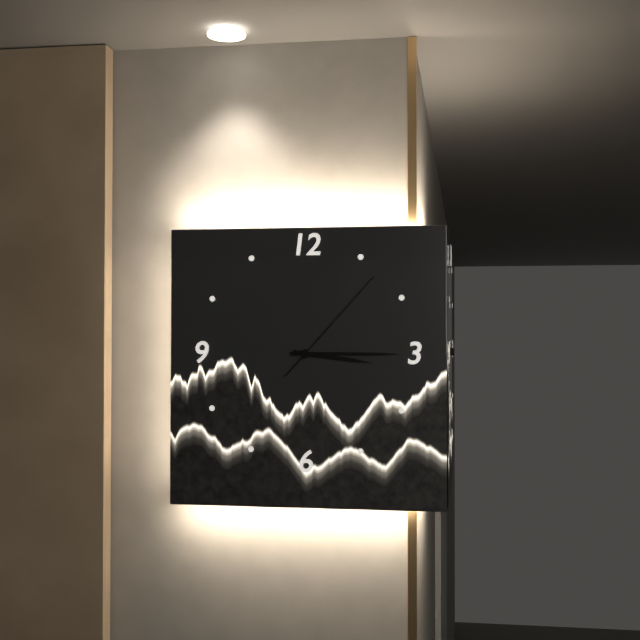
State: h=3 m=15 s=7
